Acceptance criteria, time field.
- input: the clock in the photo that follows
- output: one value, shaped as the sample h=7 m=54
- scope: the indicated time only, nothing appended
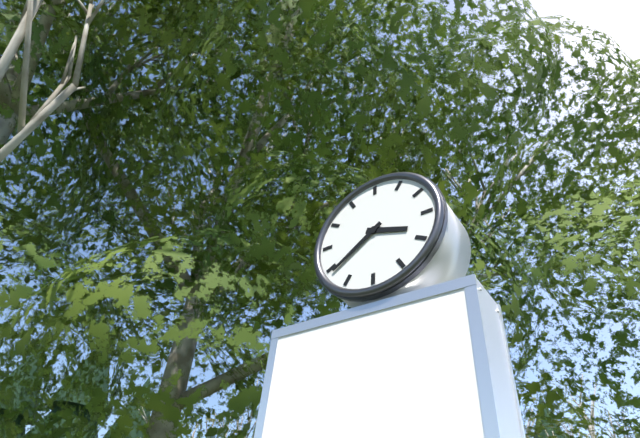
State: h=3 m=39
